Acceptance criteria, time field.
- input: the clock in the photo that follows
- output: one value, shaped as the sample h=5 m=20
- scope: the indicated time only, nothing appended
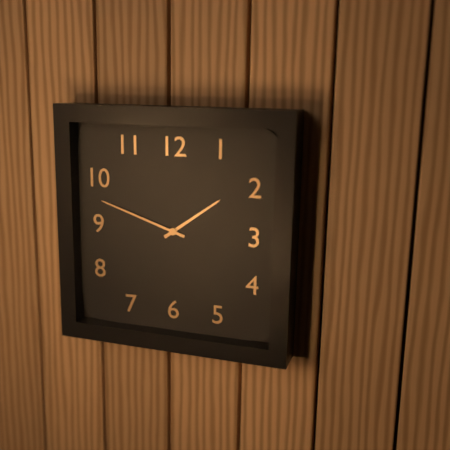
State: h=1 m=48
